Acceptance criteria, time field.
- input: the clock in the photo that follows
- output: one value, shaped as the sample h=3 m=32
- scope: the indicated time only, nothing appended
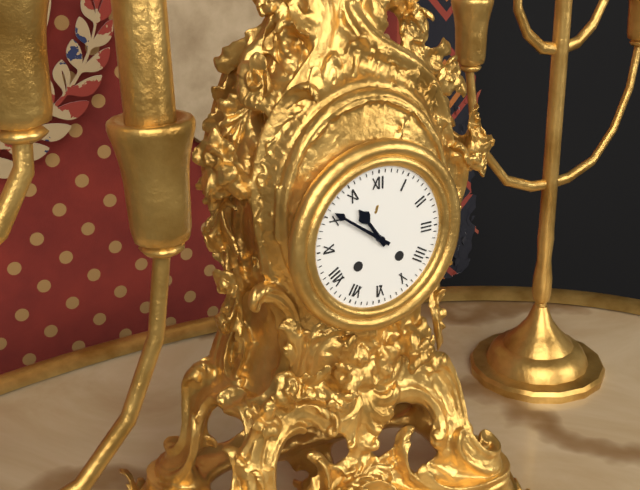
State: h=10 m=51
